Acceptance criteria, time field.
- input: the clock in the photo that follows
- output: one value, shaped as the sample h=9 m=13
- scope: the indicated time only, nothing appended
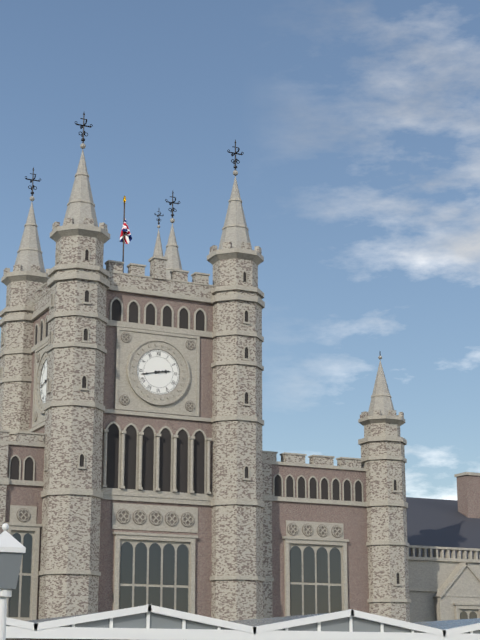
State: h=2 m=43
